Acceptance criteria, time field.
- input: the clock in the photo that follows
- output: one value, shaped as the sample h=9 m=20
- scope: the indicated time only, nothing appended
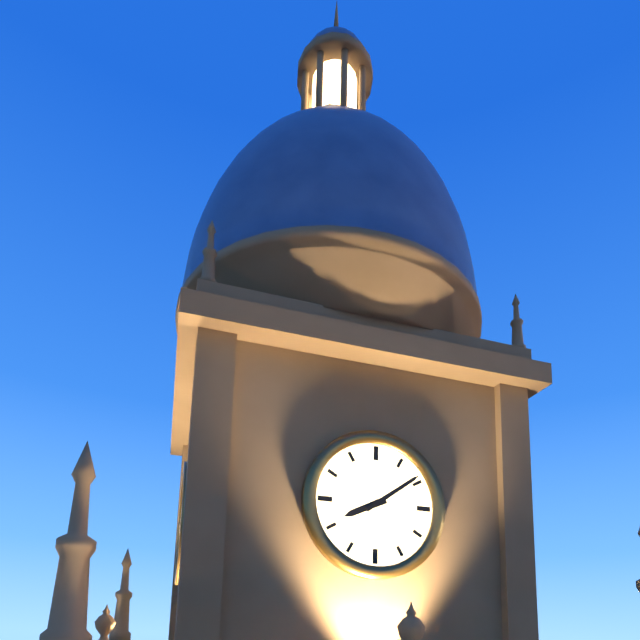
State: h=8 m=9
